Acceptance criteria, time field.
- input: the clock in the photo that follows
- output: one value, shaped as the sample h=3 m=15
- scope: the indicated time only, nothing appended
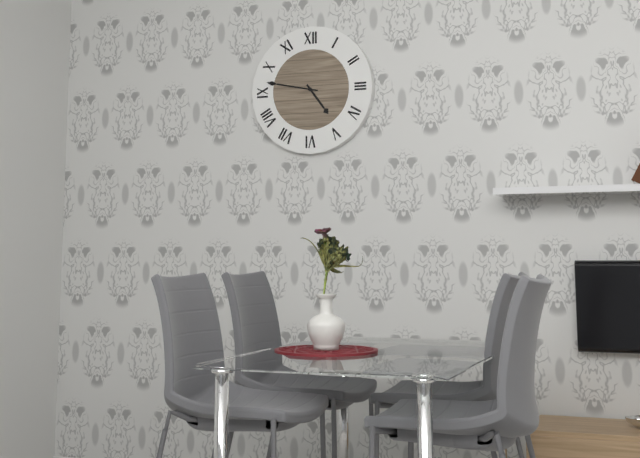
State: h=4 m=47
